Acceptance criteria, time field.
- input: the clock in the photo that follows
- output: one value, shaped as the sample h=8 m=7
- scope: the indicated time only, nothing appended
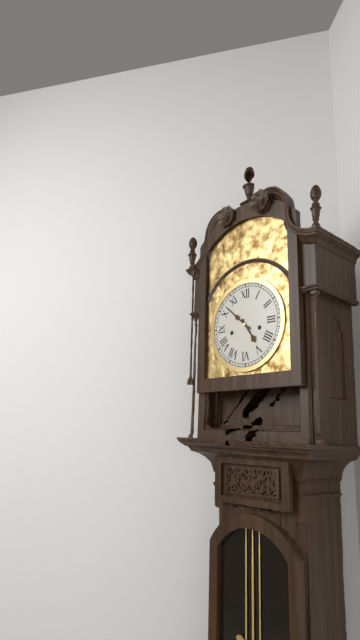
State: h=4 m=52
